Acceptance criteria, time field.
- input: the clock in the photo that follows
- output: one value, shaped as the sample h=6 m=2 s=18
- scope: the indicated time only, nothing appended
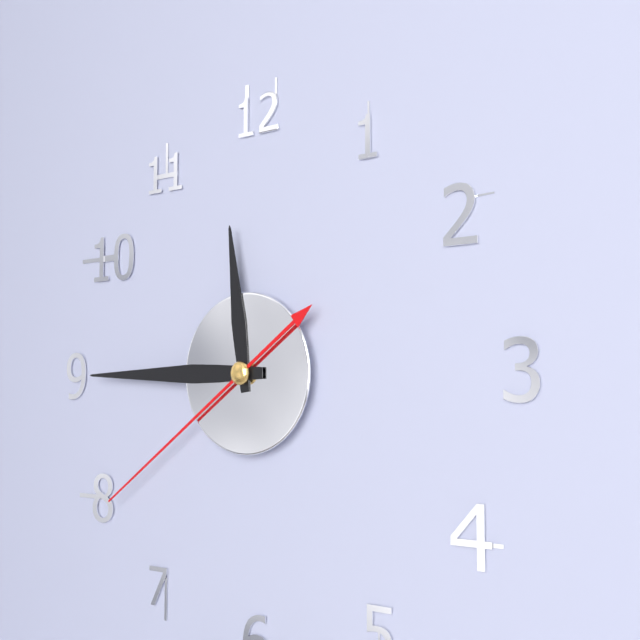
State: h=11 m=45 s=39
